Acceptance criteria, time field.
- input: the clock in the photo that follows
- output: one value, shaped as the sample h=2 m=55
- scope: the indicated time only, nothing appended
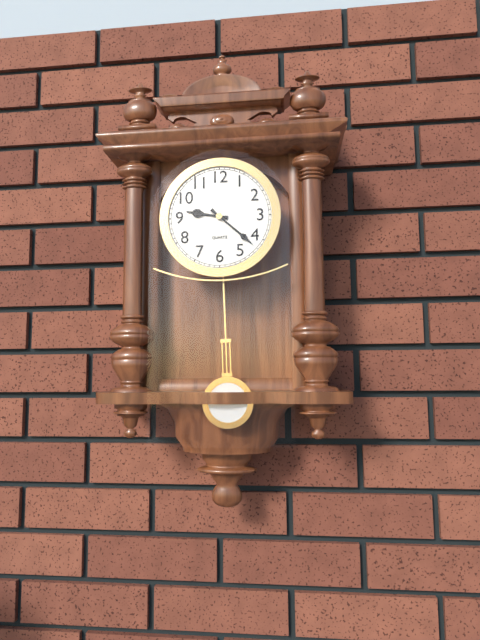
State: h=9 m=22
